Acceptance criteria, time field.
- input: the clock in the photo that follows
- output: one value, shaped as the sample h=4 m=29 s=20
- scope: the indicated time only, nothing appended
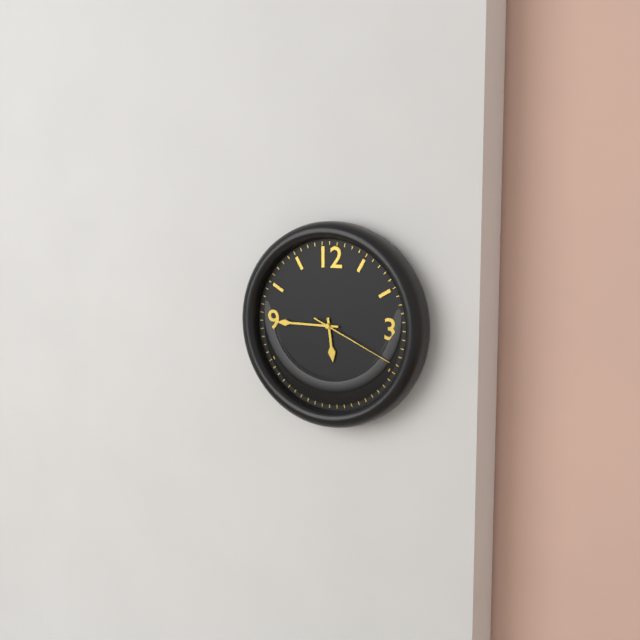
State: h=5 m=45 s=19
